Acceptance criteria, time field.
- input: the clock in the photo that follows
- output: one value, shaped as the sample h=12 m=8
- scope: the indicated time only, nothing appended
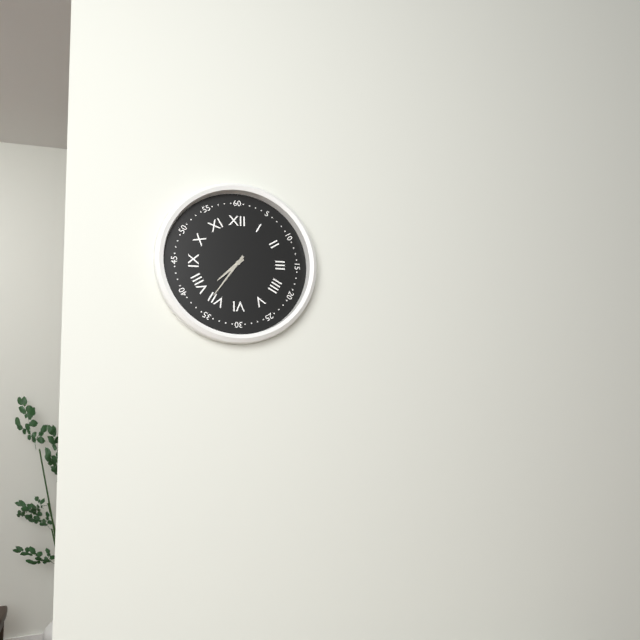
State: h=7 m=36
